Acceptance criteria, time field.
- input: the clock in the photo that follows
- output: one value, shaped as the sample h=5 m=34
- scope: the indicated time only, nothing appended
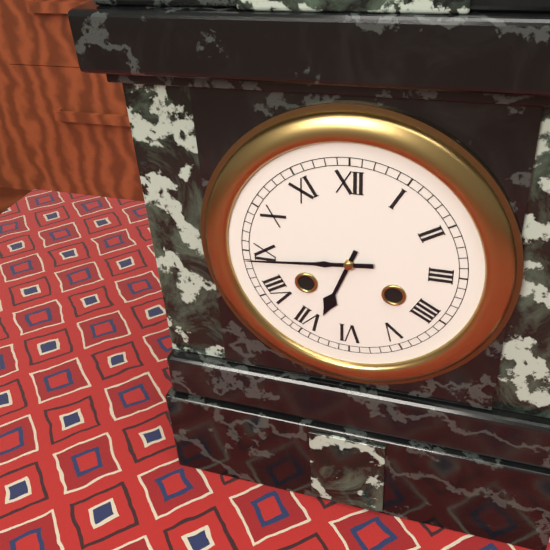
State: h=6 m=44
